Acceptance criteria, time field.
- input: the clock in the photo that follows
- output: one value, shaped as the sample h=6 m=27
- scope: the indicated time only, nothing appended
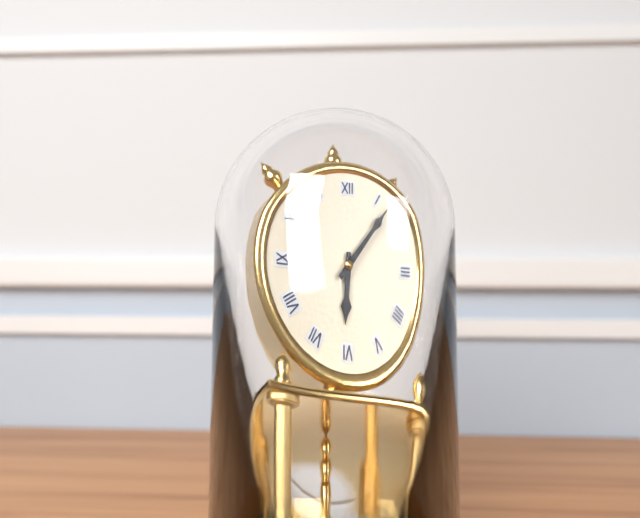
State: h=6 m=7
